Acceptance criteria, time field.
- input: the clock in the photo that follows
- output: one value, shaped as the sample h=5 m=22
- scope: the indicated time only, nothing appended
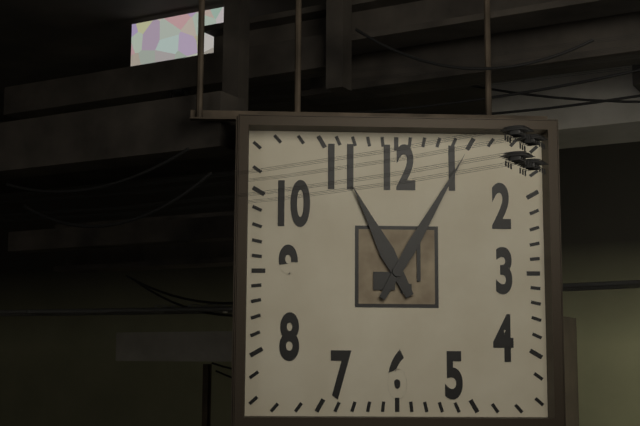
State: h=11 m=5
